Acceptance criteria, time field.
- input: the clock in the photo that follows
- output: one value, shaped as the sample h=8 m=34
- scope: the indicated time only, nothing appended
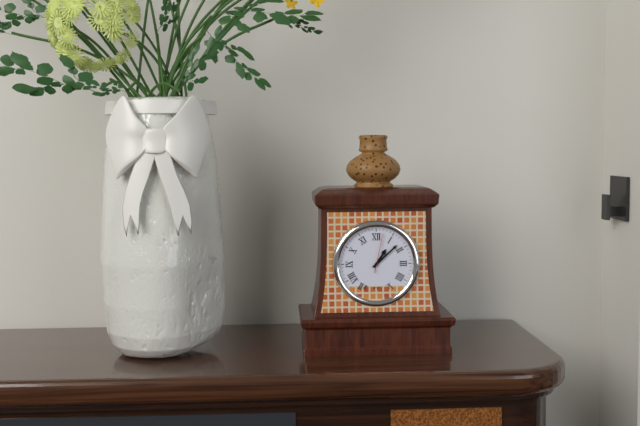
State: h=1 m=8
